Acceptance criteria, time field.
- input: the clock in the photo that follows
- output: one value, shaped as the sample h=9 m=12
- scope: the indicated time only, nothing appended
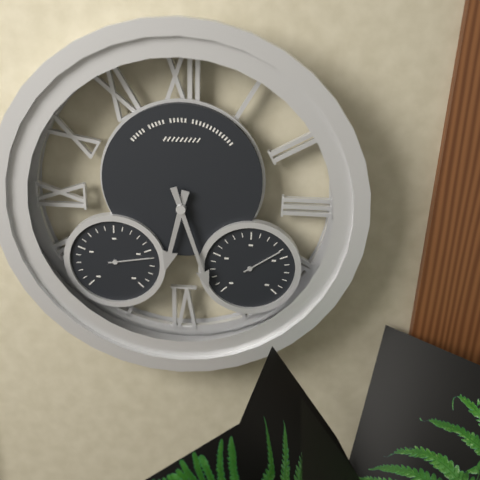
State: h=6 m=27
